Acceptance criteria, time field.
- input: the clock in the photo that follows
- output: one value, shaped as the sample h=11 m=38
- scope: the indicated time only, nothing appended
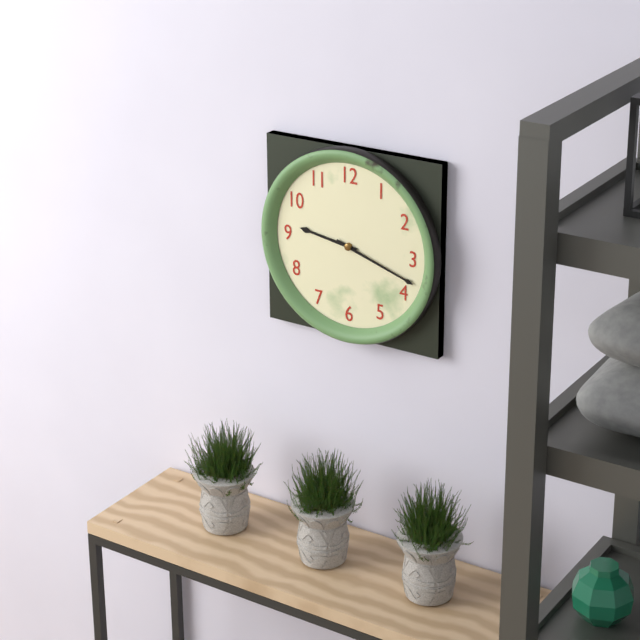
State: h=9 m=18
